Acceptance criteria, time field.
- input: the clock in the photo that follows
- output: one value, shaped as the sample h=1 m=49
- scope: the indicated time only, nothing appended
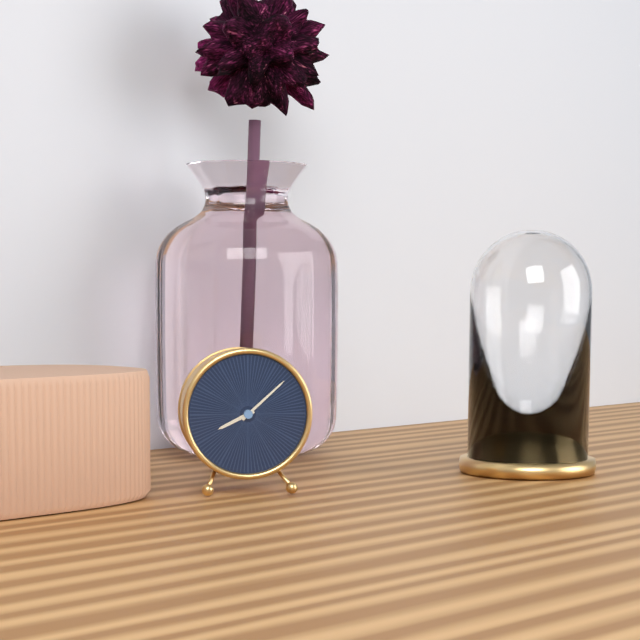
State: h=8 m=8
